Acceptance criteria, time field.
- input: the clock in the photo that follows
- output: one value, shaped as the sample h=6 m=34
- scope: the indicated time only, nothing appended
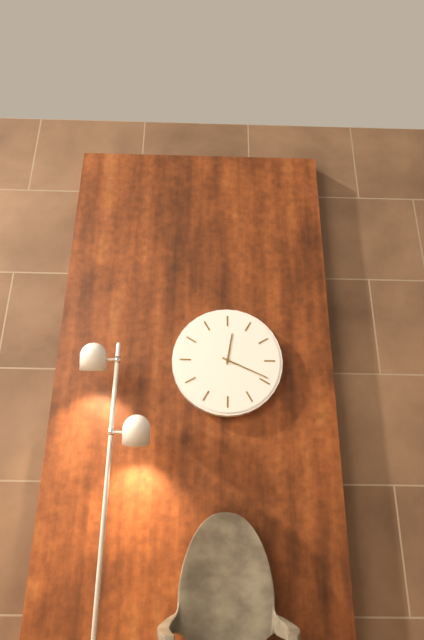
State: h=12 m=19
